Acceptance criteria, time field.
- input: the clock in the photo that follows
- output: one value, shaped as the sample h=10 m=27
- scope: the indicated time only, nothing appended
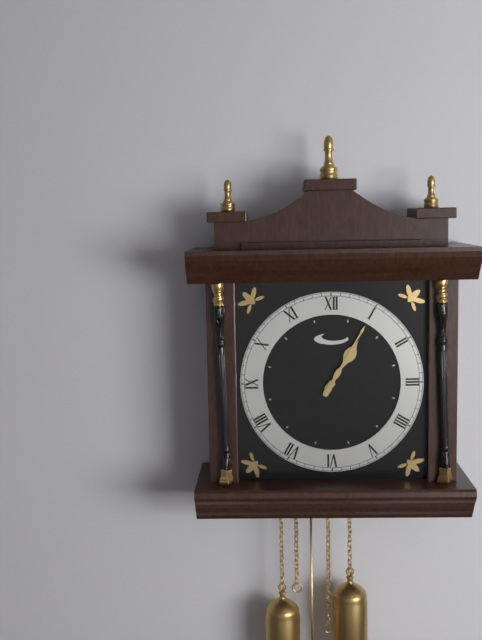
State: h=1 m=5
